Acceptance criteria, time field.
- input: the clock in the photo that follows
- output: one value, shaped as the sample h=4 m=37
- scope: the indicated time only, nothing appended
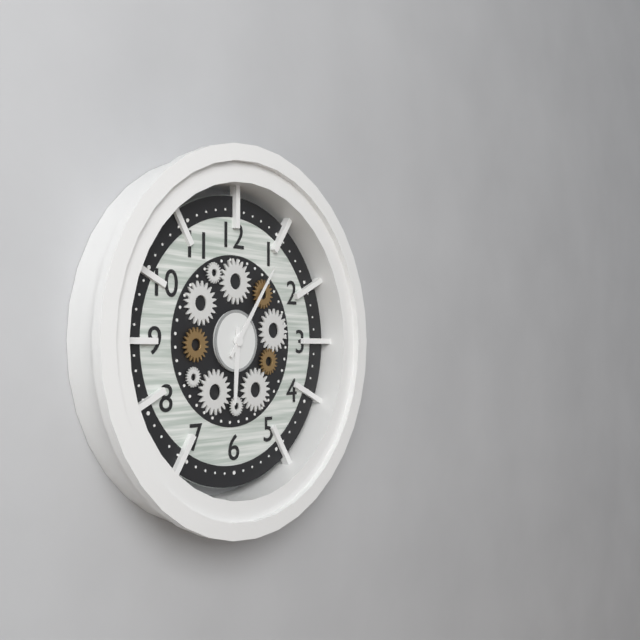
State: h=6 m=6
